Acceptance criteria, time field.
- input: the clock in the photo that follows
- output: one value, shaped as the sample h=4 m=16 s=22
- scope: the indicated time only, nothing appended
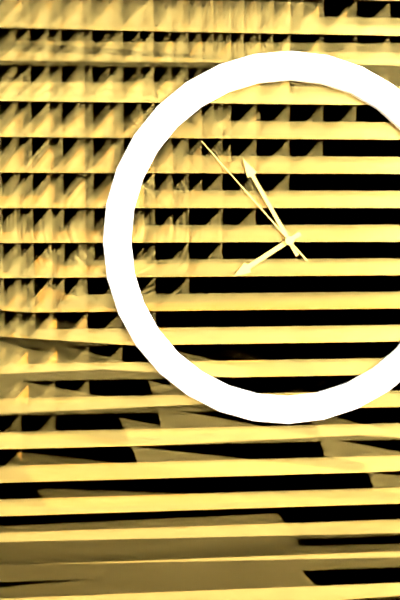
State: h=7 m=55 s=53
